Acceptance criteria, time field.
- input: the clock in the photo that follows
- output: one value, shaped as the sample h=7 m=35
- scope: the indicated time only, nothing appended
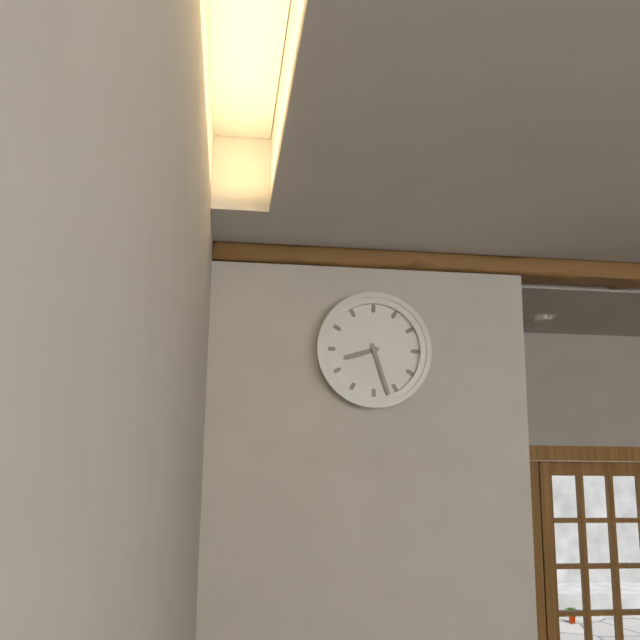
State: h=8 m=27
